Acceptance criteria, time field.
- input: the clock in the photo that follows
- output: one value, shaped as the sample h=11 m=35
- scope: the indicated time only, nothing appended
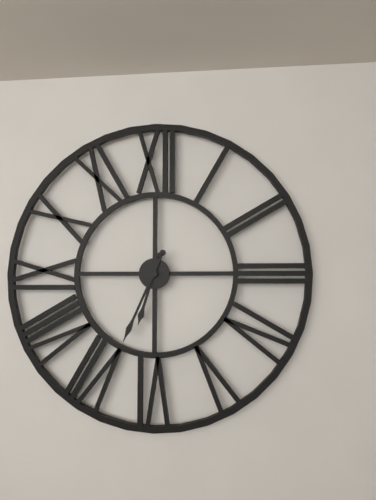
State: h=6 m=34
